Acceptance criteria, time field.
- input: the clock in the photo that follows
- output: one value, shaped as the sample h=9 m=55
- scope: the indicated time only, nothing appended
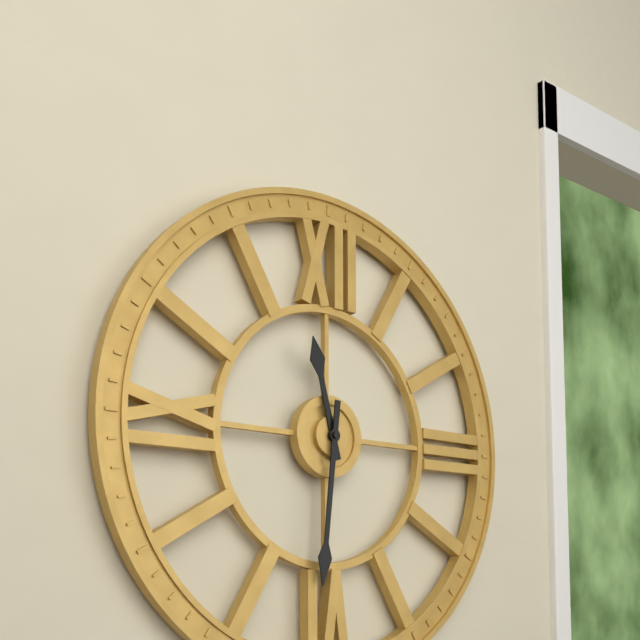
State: h=11 m=31
